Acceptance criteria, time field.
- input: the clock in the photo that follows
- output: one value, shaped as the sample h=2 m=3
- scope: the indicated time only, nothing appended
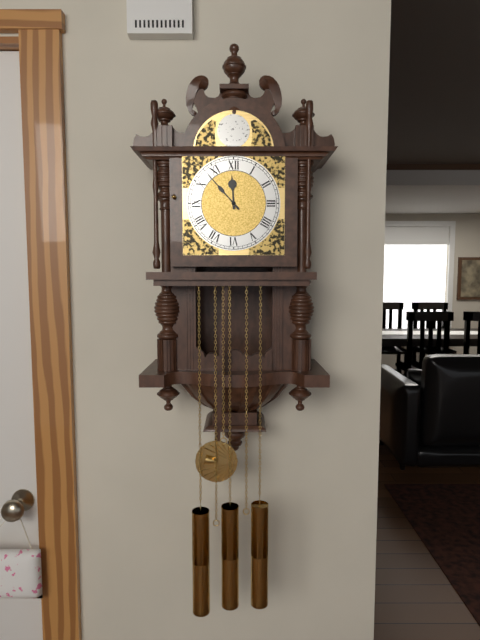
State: h=11 m=53
